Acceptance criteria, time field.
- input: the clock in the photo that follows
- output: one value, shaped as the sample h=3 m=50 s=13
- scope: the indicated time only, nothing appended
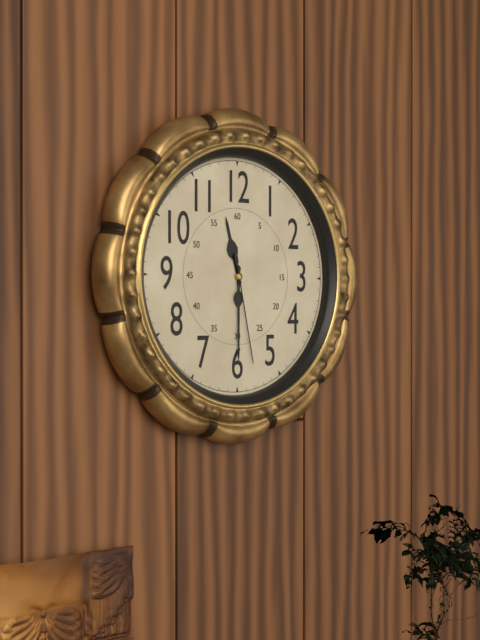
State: h=11 m=30 s=28
